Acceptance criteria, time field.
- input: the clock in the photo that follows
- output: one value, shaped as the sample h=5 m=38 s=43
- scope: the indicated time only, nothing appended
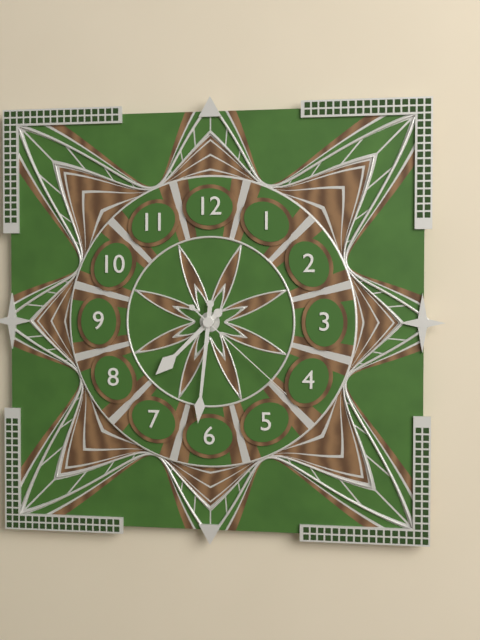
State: h=7 m=31 s=22
